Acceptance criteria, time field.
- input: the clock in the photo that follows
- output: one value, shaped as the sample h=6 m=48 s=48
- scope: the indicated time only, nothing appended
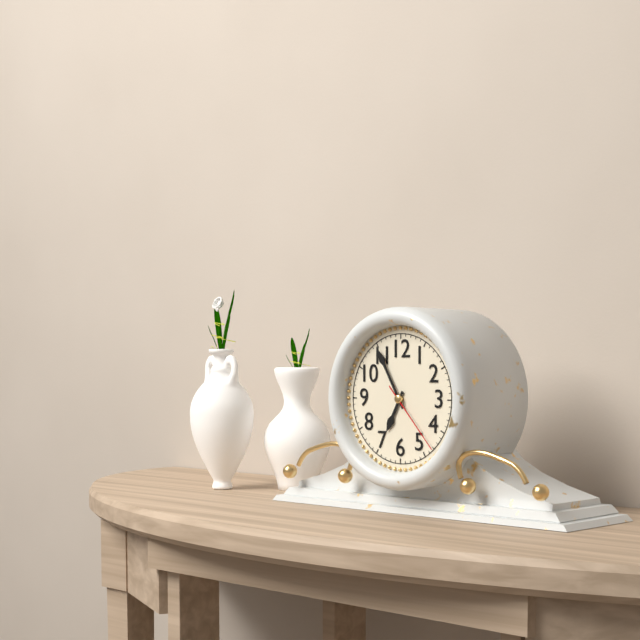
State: h=6 m=55 s=23
